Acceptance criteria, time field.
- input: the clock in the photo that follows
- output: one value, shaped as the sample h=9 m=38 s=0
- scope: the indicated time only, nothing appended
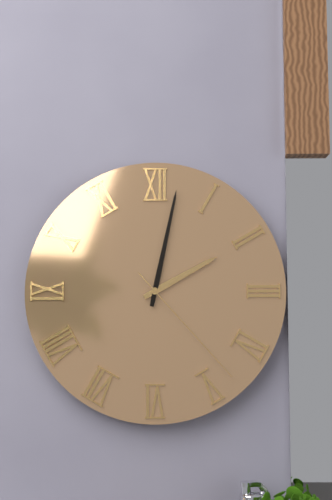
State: h=2 m=2 s=23
